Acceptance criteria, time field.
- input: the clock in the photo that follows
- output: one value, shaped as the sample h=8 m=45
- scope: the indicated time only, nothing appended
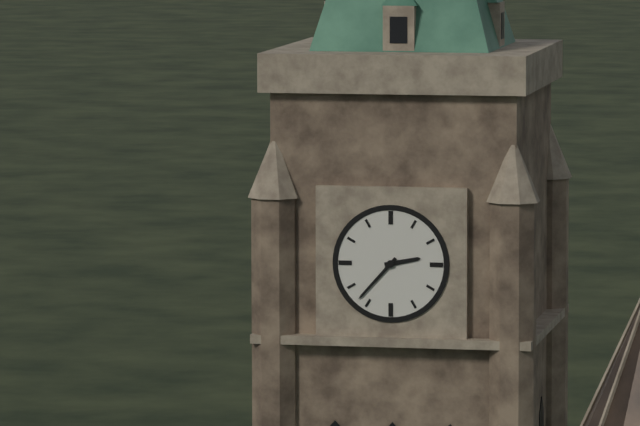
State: h=2 m=37
